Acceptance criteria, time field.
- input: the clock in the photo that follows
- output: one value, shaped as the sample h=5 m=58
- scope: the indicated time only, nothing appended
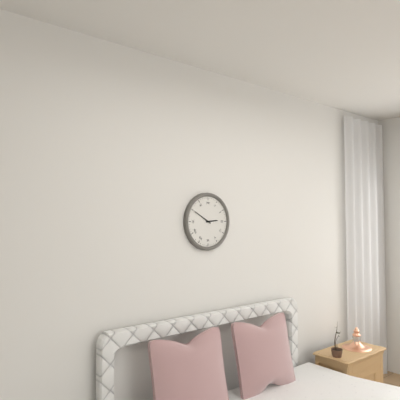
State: h=2 m=50
